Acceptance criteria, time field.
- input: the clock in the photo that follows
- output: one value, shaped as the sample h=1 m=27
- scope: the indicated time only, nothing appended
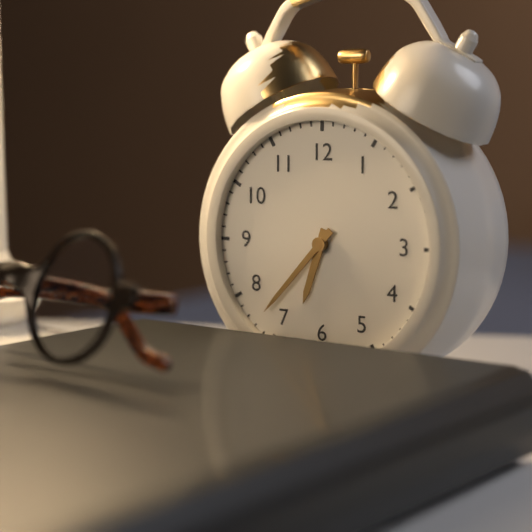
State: h=6 m=37
